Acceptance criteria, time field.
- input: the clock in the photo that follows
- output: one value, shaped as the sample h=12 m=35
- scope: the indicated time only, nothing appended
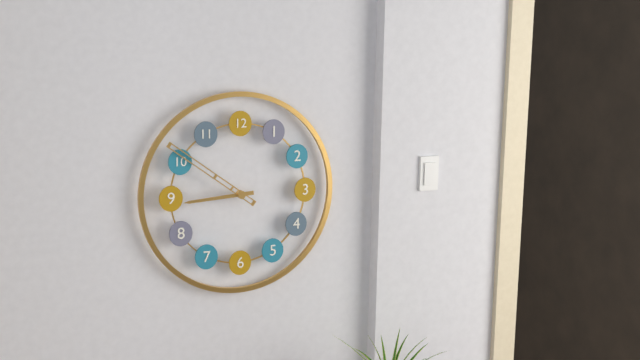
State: h=8 m=51
